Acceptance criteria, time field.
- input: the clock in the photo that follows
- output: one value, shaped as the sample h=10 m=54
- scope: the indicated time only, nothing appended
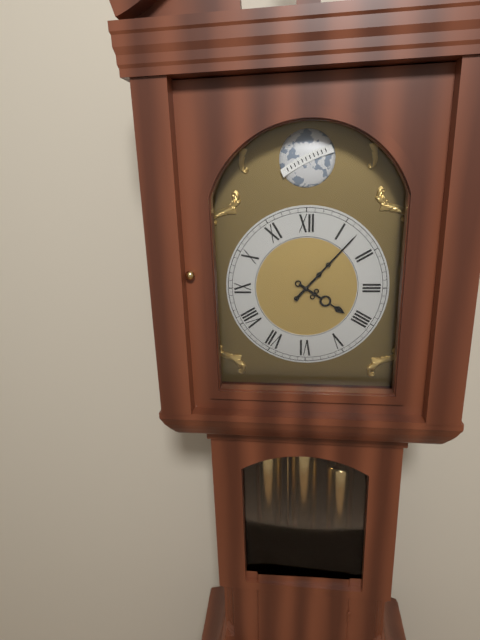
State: h=4 m=7
